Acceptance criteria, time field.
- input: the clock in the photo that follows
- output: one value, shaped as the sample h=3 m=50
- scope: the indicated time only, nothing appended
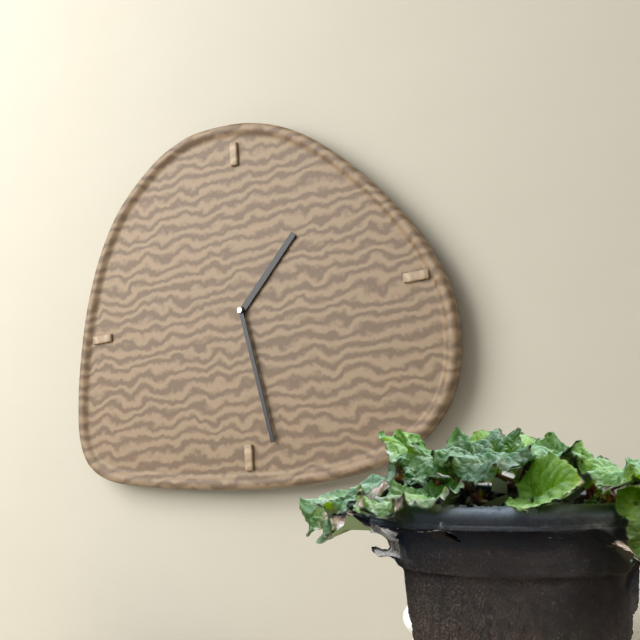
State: h=1 m=28
